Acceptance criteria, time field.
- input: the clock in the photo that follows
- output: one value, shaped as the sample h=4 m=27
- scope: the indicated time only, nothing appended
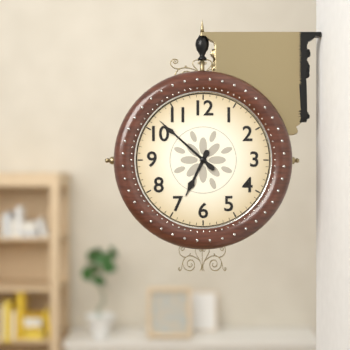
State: h=6 m=52
